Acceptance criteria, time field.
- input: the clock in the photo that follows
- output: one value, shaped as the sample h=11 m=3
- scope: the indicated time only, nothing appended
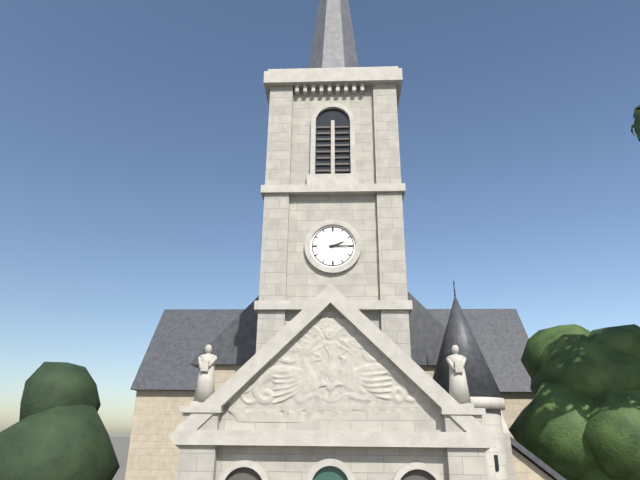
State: h=2 m=15
